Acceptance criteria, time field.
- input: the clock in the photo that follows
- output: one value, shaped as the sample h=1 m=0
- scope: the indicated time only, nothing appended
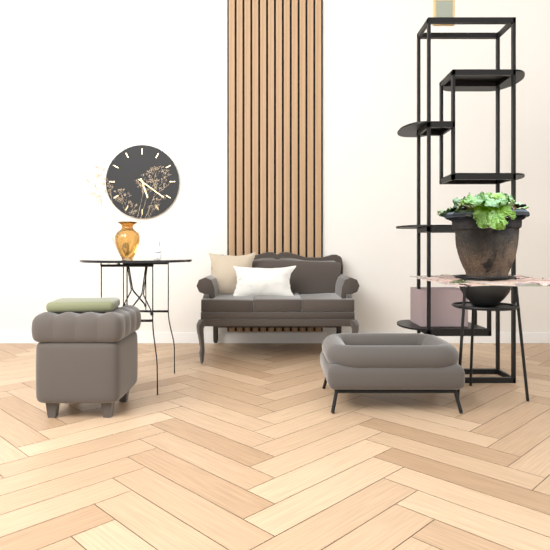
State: h=5 m=21
